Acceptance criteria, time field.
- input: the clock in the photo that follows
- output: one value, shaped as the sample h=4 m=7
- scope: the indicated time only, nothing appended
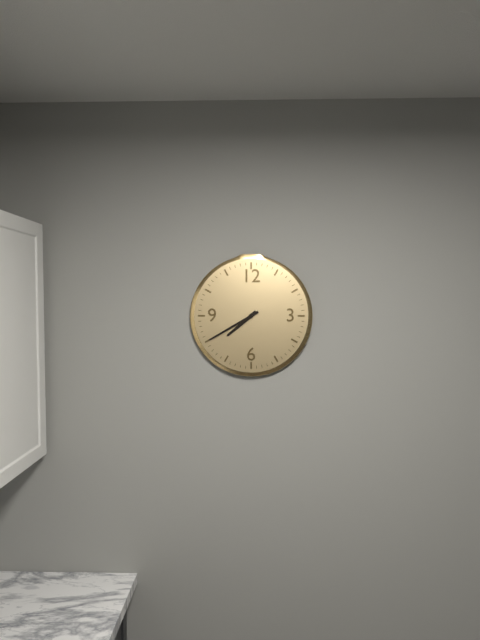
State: h=7 m=40
